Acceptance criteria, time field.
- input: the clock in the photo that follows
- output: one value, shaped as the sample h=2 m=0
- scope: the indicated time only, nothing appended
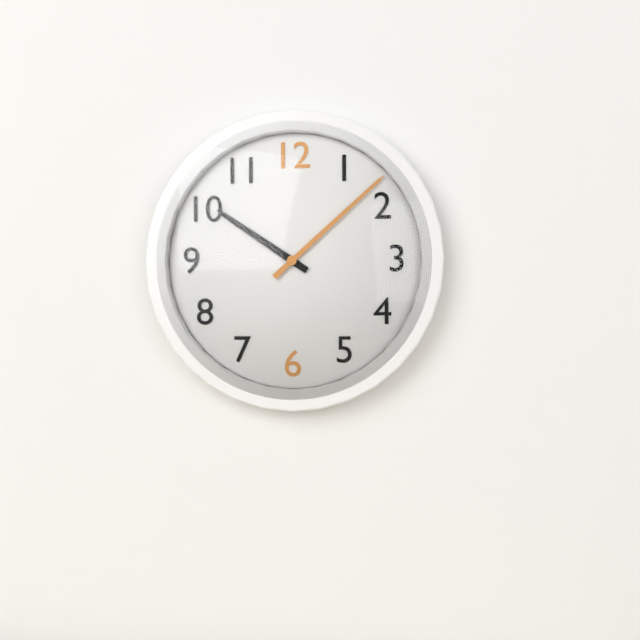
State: h=10 m=8
